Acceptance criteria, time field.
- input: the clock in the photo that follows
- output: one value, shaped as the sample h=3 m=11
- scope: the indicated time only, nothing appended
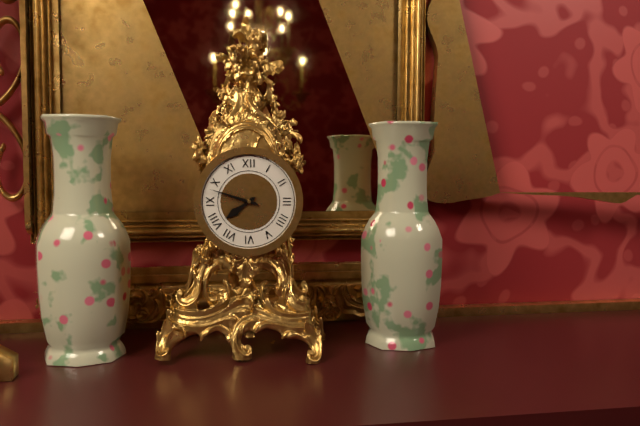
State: h=7 m=48
